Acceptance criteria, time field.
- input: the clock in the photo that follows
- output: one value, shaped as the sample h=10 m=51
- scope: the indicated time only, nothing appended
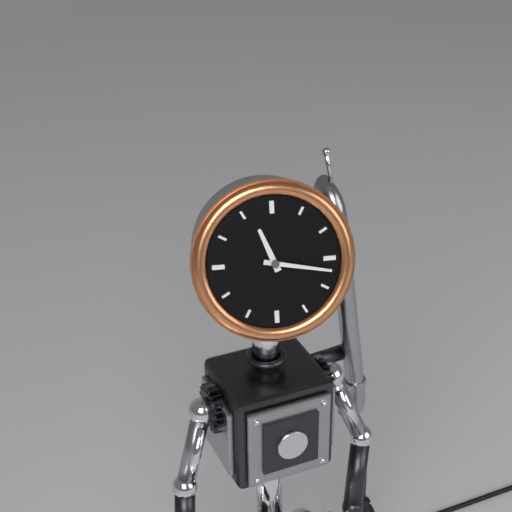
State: h=11 m=17
